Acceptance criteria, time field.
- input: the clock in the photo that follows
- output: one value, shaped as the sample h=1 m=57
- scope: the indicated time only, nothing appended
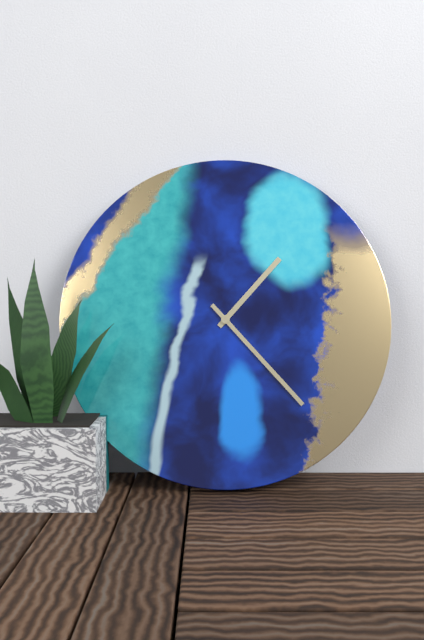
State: h=1 m=23
